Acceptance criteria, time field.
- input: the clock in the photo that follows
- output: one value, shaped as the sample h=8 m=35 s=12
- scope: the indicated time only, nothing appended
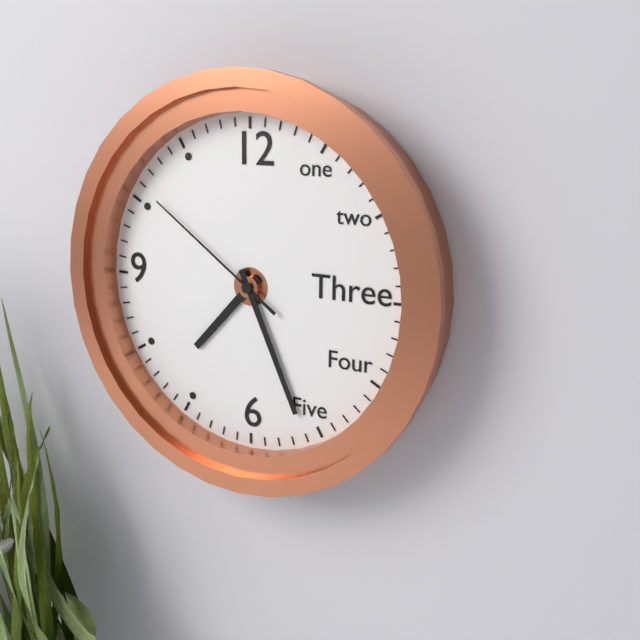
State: h=7 m=26 s=51
